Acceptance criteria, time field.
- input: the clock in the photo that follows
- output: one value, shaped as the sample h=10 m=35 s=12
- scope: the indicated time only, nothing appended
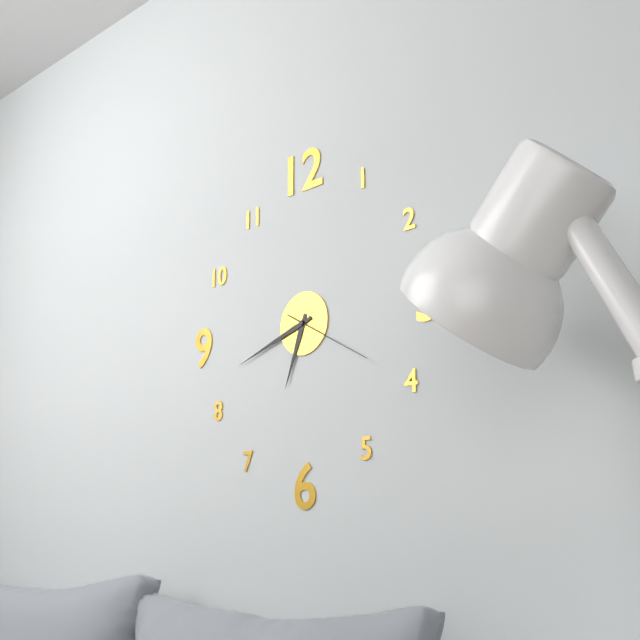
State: h=6 m=42 s=20
